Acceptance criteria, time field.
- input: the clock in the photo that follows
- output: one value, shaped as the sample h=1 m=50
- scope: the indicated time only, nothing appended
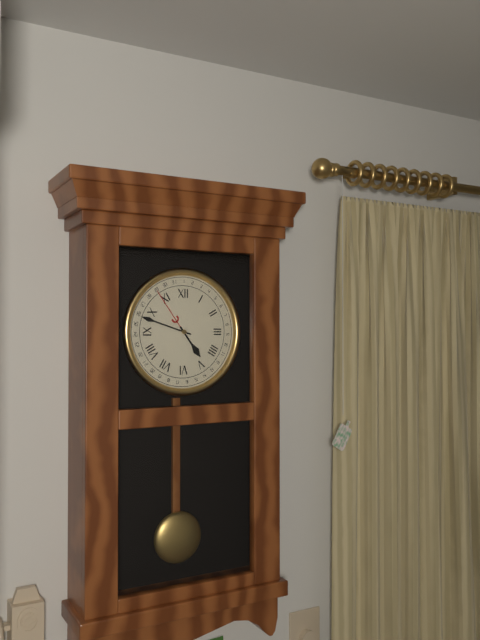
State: h=4 m=48
